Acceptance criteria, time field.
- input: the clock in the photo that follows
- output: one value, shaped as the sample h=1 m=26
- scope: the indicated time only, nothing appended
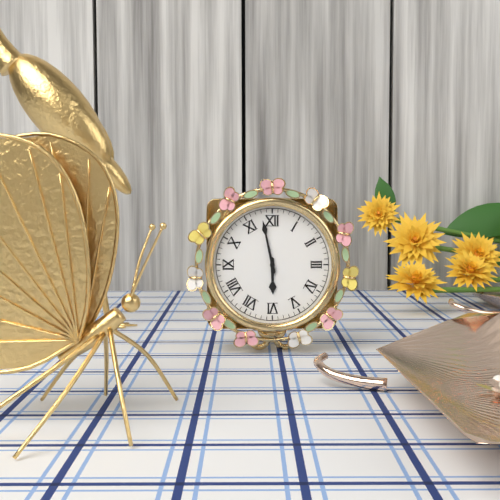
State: h=5 m=58
